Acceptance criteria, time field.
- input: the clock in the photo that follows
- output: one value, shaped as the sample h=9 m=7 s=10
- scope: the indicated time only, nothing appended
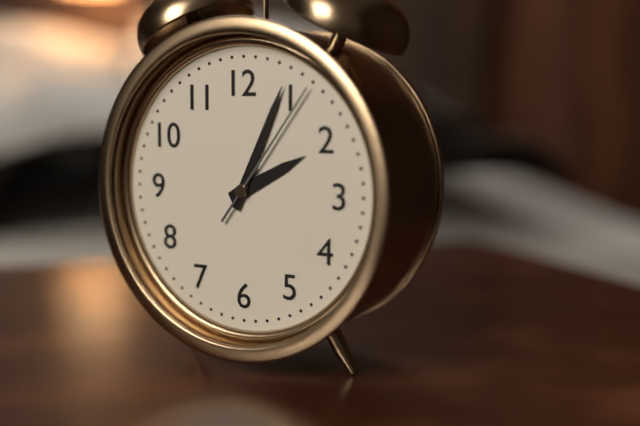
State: h=2 m=4 s=6
